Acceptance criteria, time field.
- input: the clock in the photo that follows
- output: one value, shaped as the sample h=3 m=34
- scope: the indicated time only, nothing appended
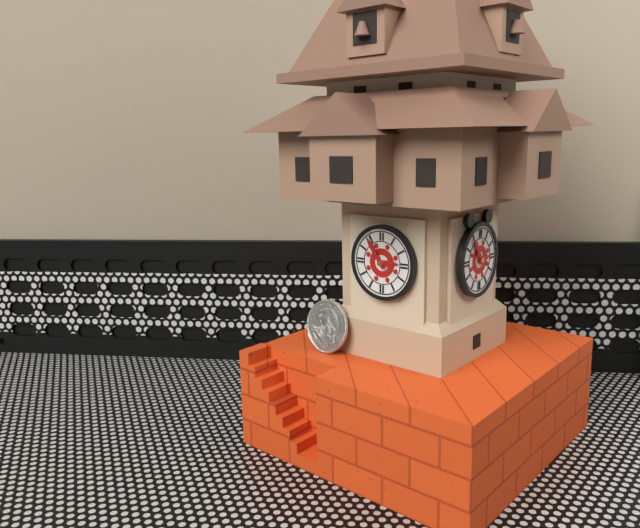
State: h=2 m=54
